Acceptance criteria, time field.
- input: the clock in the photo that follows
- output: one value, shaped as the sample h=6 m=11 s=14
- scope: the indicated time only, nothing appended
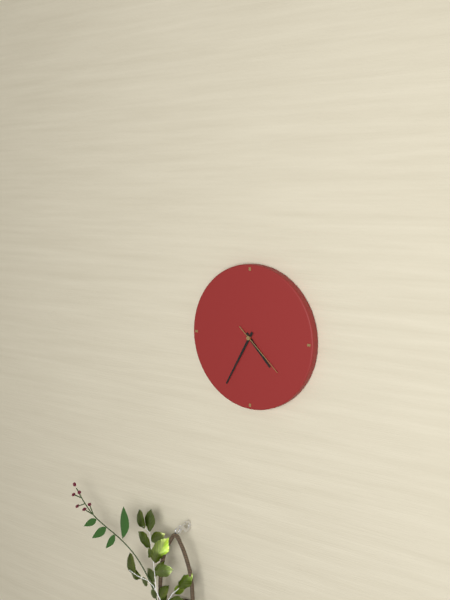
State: h=4 m=35 s=22
